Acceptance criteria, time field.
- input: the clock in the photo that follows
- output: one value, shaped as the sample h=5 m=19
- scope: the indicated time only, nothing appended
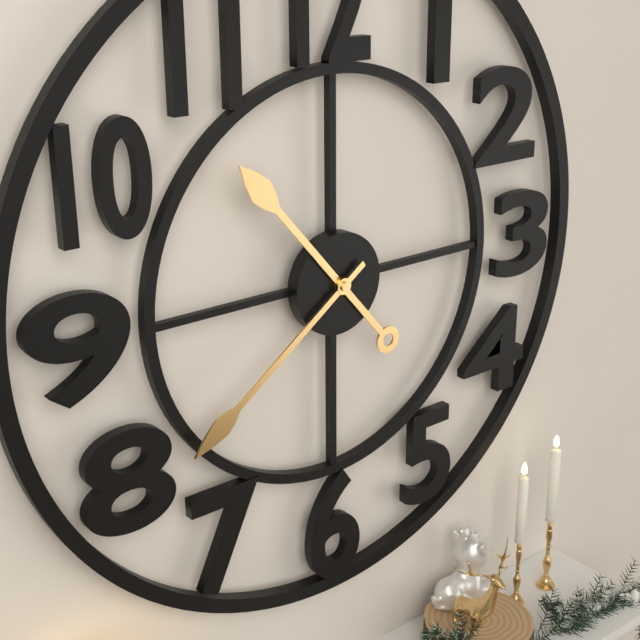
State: h=10 m=39
